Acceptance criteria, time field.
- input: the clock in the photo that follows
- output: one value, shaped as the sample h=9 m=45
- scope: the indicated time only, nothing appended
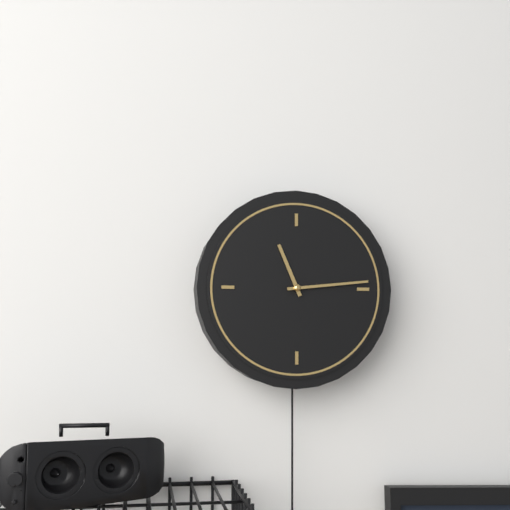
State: h=11 m=14
